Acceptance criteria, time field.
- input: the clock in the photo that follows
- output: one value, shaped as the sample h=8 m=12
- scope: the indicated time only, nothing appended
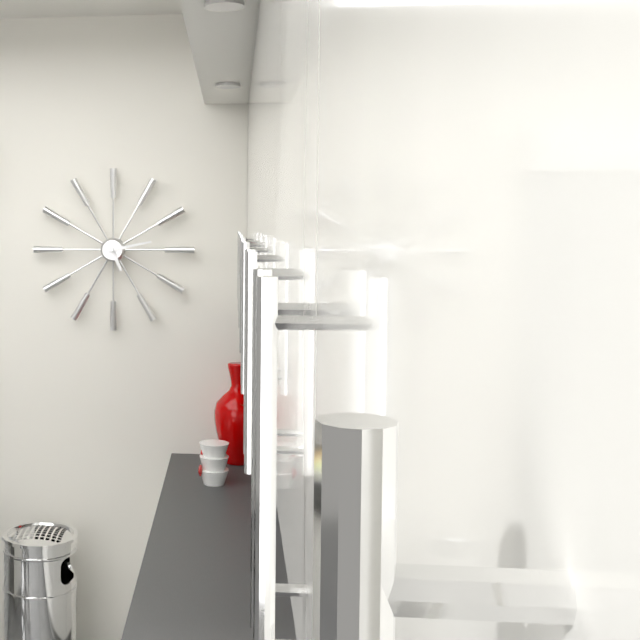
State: h=5 m=13
